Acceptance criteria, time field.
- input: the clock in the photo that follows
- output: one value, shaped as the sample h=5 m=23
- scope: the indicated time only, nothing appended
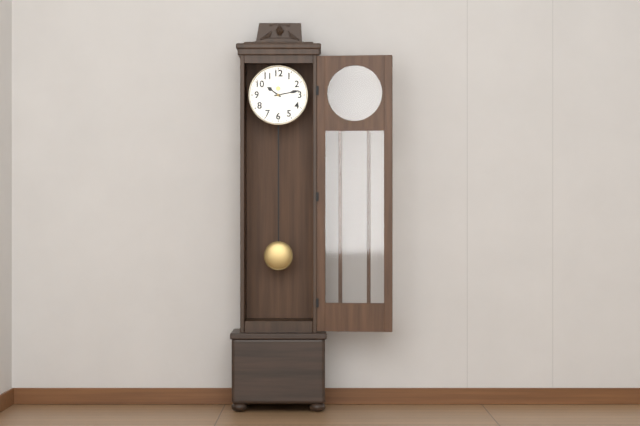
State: h=10 m=13
